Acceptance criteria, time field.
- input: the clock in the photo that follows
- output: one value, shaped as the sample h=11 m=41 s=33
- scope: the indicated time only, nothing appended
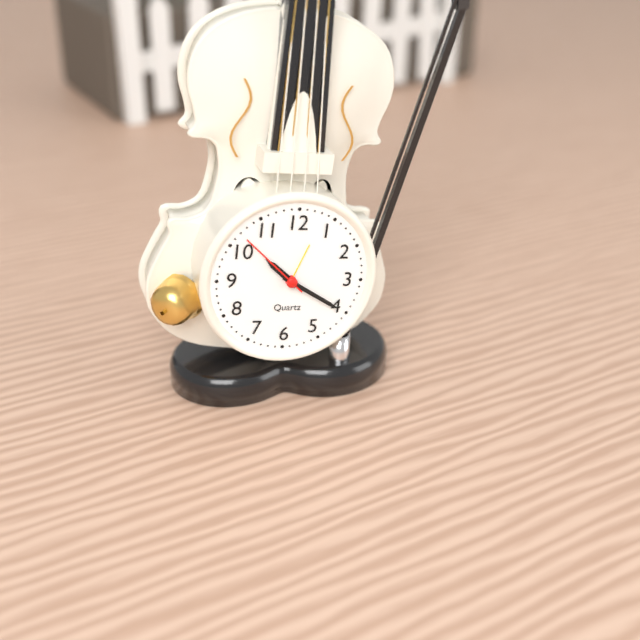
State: h=10 m=20 s=52
